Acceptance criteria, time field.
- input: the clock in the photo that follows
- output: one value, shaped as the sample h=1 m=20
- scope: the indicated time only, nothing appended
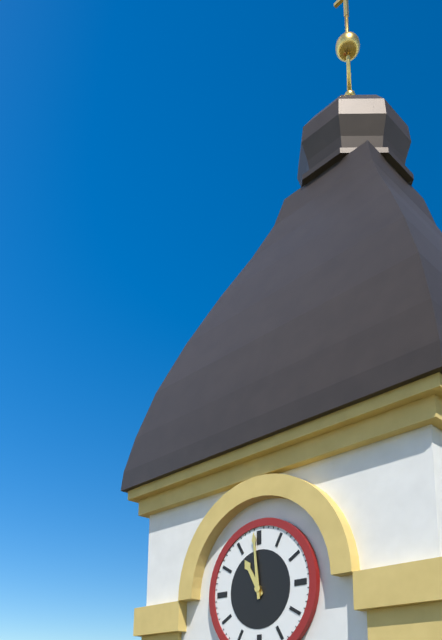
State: h=10 m=59
